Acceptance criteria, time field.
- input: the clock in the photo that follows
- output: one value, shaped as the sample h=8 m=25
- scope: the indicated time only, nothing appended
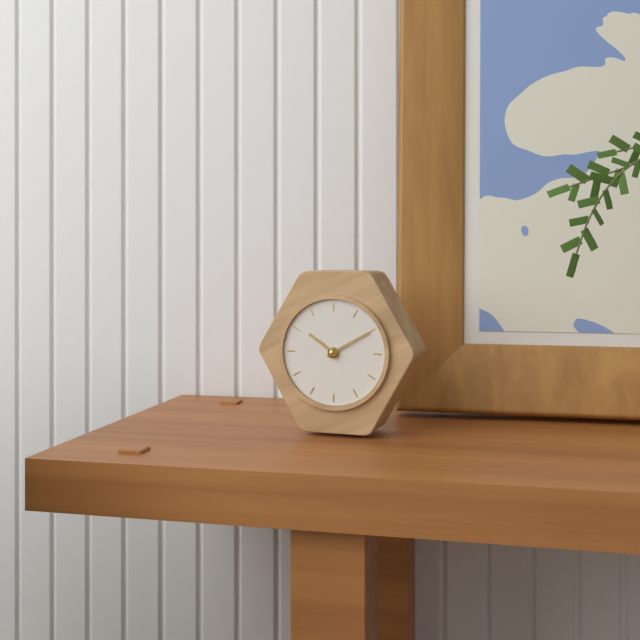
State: h=10 m=10
